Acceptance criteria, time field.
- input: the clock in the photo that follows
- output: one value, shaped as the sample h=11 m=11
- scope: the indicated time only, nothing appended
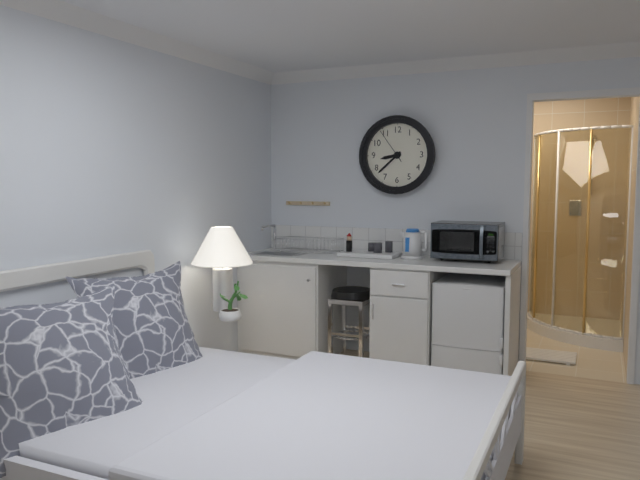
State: h=8 m=38
